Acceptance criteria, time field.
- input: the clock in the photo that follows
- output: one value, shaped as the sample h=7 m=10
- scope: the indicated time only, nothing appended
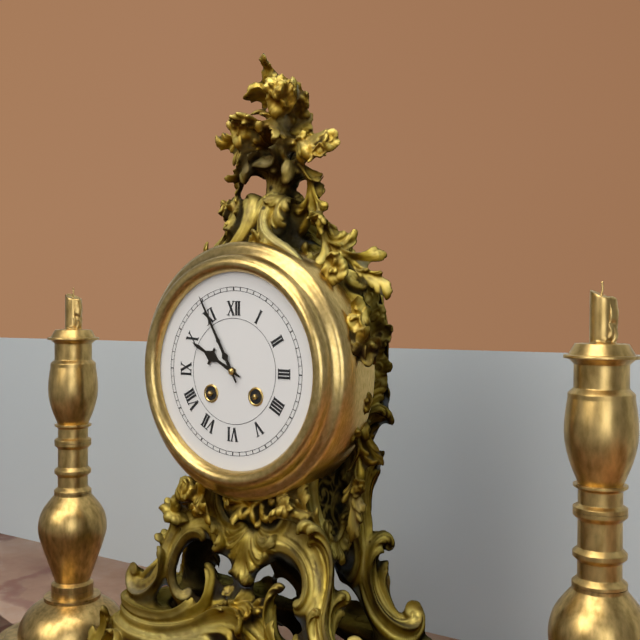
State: h=9 m=55
